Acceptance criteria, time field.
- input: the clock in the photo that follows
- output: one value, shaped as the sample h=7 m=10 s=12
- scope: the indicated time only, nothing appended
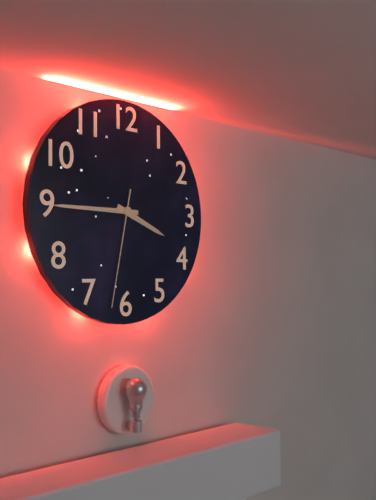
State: h=3 m=45 s=32
